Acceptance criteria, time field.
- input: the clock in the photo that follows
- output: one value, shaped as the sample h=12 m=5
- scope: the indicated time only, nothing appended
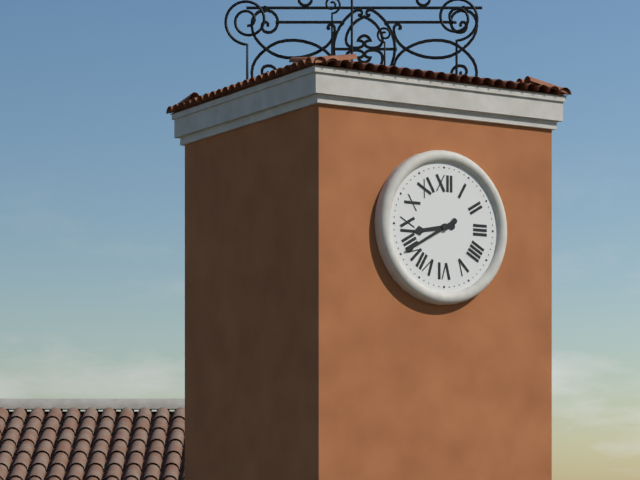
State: h=8 m=40
